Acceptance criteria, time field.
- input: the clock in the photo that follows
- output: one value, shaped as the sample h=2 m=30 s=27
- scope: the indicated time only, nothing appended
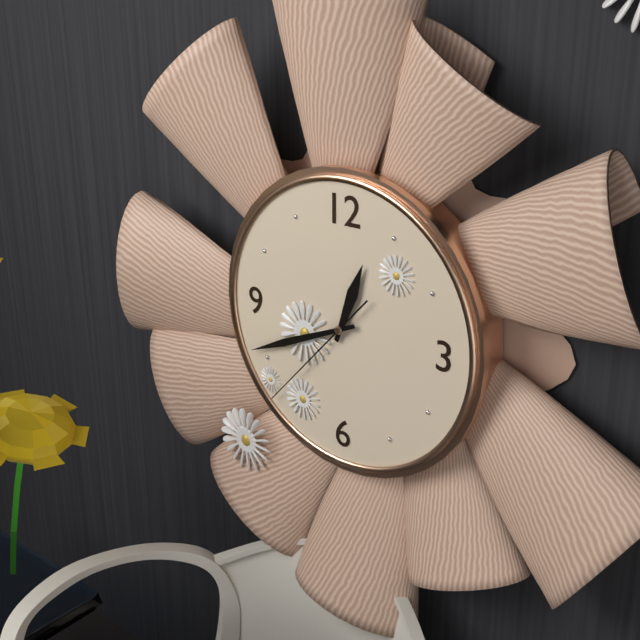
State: h=12 m=41 s=37
